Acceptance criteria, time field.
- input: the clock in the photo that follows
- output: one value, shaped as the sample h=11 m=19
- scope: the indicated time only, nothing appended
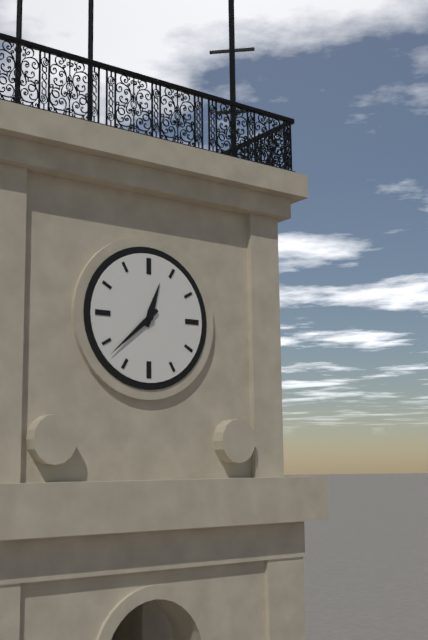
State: h=12 m=38
